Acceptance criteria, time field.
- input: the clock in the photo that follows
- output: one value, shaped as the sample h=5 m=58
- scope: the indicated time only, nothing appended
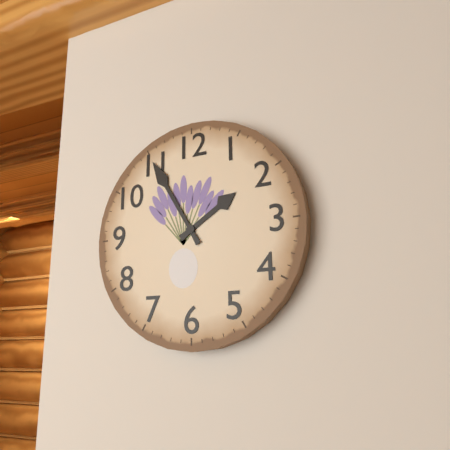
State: h=1 m=55
